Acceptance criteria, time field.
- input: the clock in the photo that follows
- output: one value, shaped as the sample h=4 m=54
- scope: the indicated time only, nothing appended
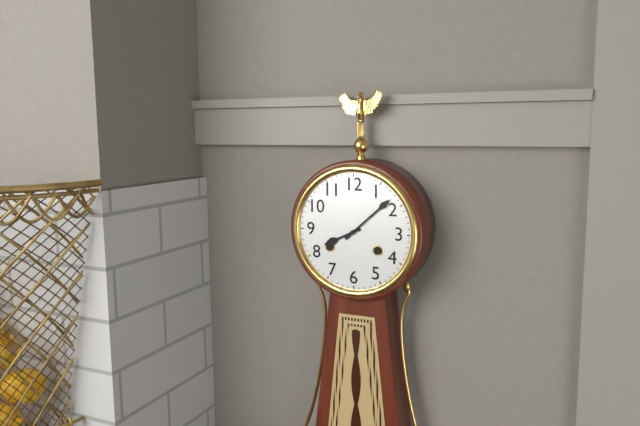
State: h=8 m=8
